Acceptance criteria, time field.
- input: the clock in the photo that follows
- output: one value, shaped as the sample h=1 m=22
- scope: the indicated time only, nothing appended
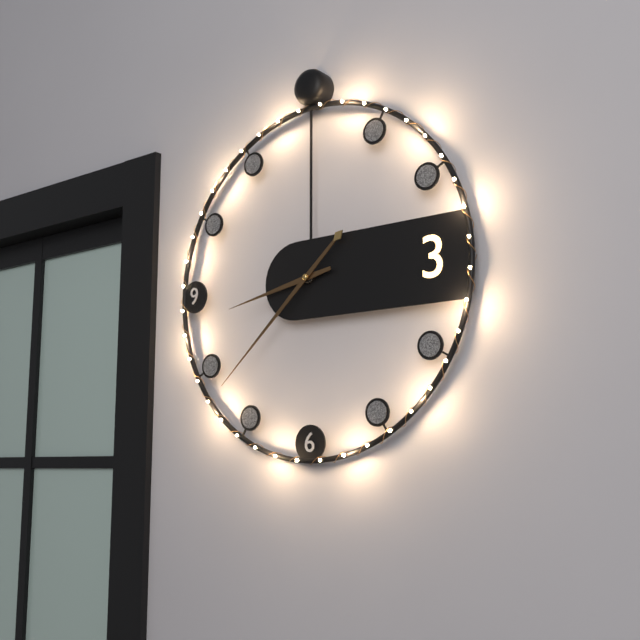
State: h=8 m=38
